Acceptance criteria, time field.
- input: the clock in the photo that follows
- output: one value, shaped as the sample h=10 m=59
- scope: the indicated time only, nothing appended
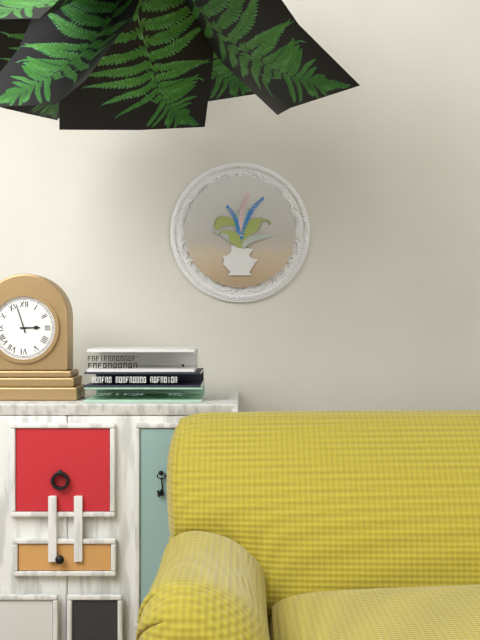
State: h=2 m=57
